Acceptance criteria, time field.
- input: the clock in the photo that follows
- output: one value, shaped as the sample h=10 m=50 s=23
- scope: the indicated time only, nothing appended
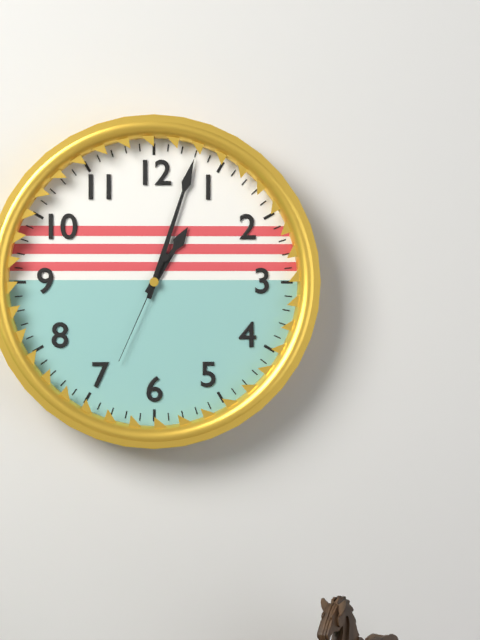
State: h=1 m=3 s=34
